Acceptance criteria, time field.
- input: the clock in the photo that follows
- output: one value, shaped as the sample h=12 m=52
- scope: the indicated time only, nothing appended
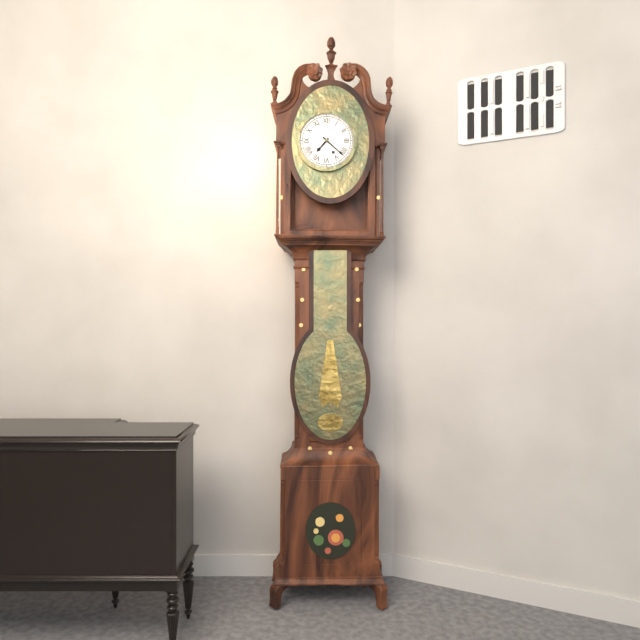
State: h=7 m=22
